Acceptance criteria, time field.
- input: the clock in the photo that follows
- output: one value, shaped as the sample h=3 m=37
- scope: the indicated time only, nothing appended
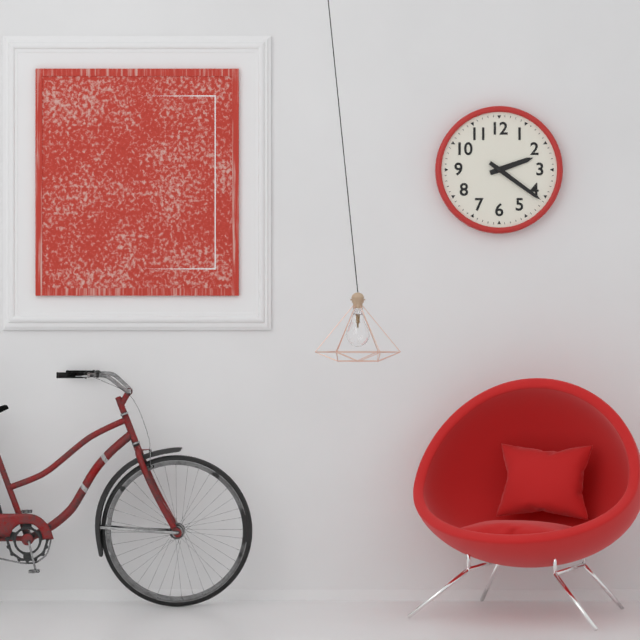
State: h=2 m=21
